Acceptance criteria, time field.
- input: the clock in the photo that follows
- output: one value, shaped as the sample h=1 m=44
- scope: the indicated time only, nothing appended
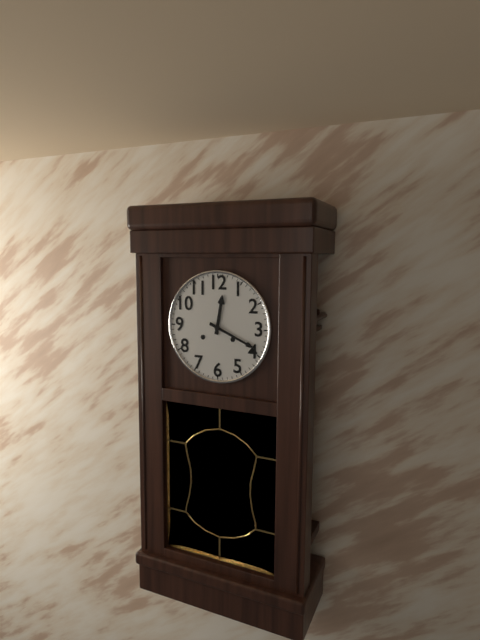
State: h=12 m=19
